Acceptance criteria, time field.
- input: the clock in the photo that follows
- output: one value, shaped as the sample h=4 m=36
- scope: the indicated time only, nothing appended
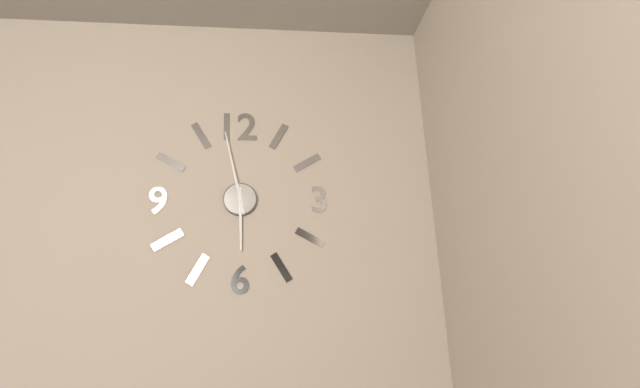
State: h=5 m=58
